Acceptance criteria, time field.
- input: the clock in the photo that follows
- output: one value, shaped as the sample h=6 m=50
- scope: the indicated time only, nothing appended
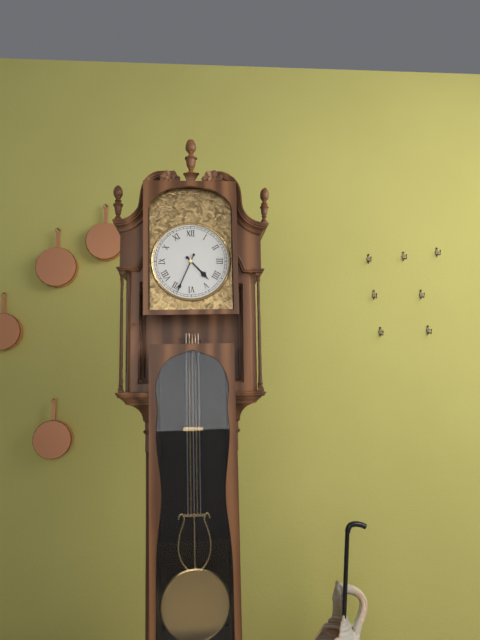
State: h=4 m=34
